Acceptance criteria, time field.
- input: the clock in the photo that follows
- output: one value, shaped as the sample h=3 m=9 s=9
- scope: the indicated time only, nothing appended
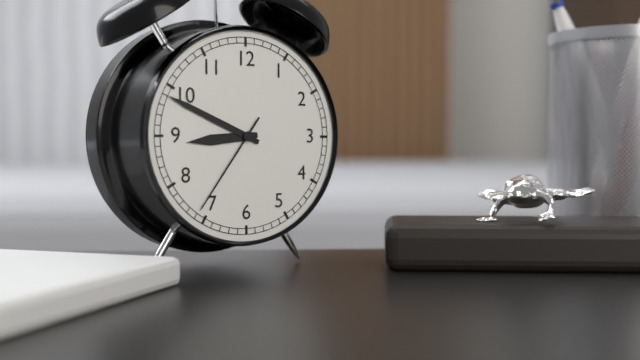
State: h=8 m=49 s=36
